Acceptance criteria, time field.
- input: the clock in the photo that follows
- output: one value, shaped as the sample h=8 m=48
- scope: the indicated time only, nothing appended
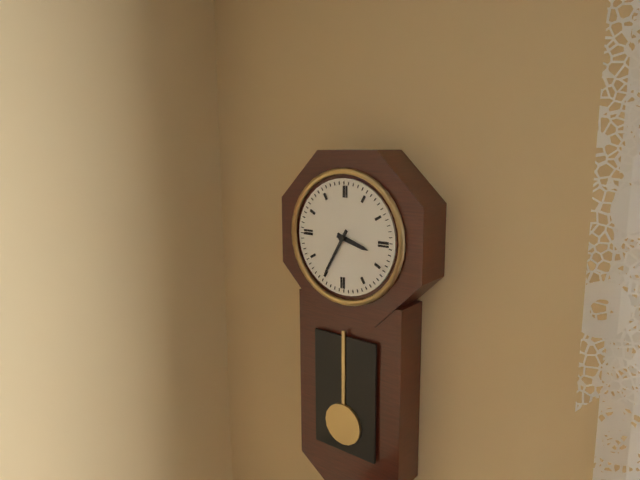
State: h=3 m=35
